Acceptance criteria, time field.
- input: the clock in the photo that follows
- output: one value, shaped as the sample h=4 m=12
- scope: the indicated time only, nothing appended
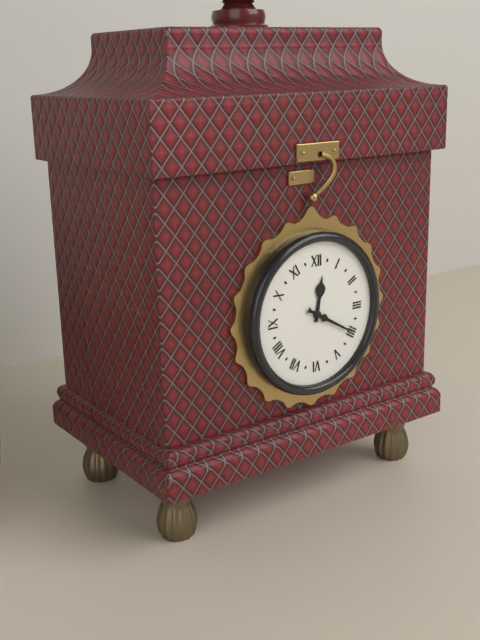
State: h=12 m=20
